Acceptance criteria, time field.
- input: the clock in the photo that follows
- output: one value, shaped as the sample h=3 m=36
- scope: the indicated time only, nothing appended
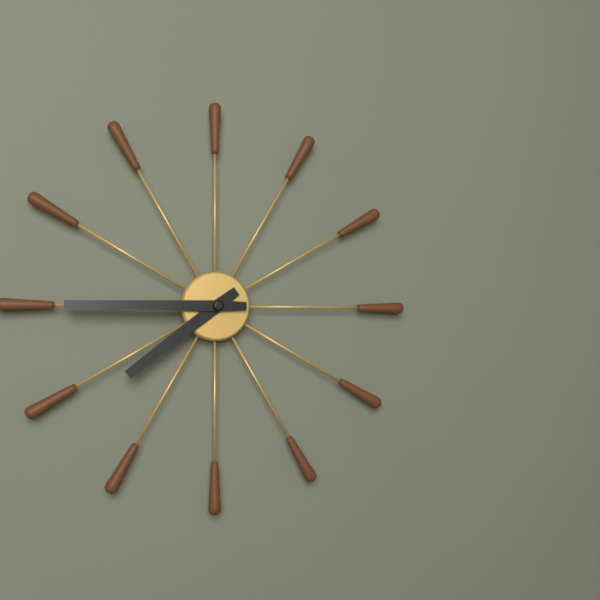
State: h=7 m=45
